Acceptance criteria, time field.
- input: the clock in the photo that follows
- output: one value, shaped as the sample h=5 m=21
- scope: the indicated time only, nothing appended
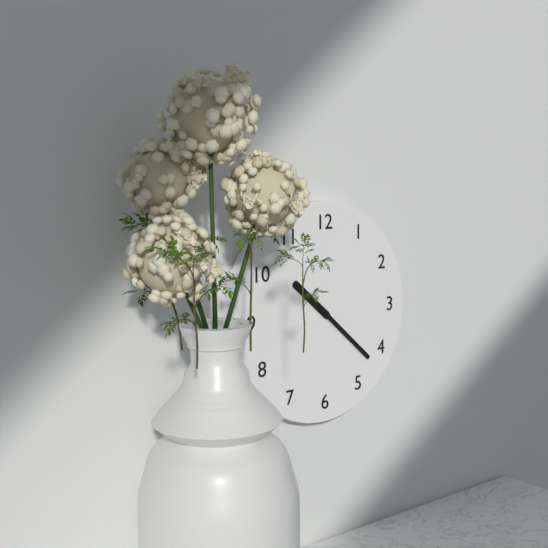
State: h=10 m=22
